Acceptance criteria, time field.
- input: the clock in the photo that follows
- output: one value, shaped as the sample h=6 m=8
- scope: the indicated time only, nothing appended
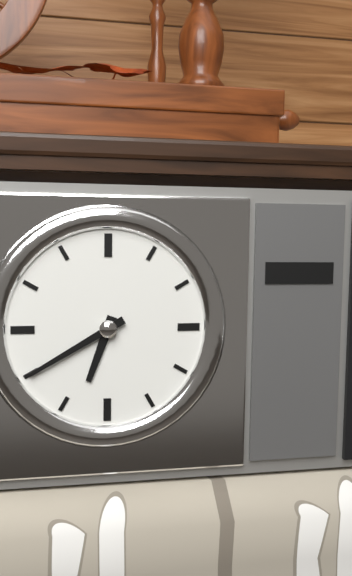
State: h=6 m=40
